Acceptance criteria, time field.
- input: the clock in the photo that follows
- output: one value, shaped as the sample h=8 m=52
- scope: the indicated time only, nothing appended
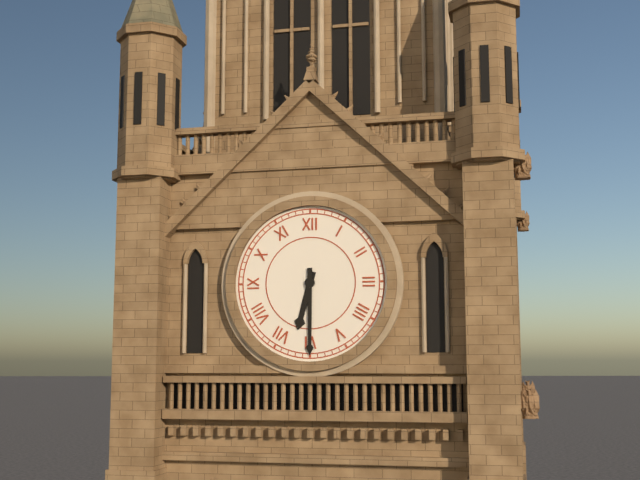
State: h=6 m=30
